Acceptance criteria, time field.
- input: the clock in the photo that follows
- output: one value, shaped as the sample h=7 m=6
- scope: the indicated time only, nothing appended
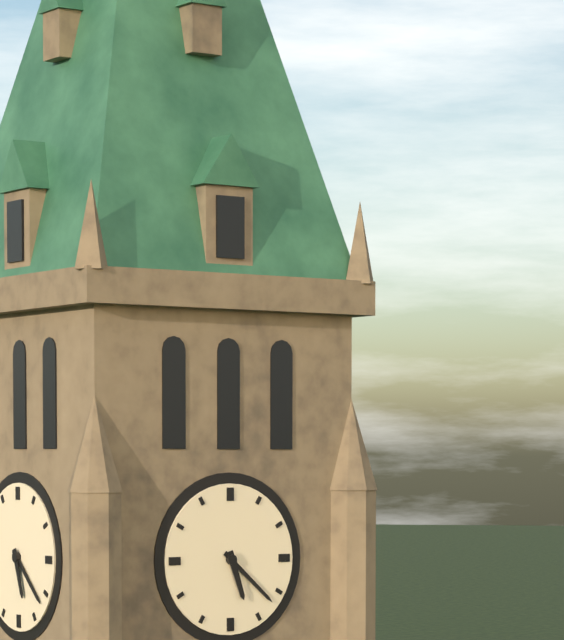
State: h=5 m=22
